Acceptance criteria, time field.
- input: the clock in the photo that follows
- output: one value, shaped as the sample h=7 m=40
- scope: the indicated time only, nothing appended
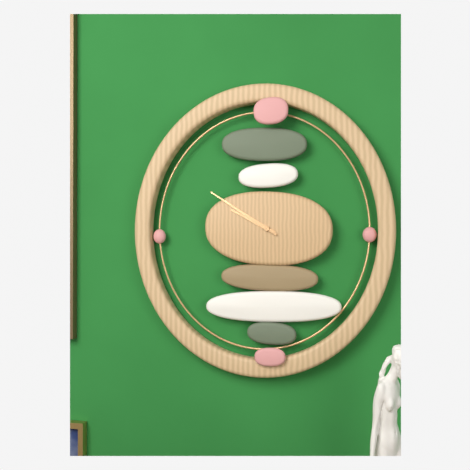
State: h=9 m=50
